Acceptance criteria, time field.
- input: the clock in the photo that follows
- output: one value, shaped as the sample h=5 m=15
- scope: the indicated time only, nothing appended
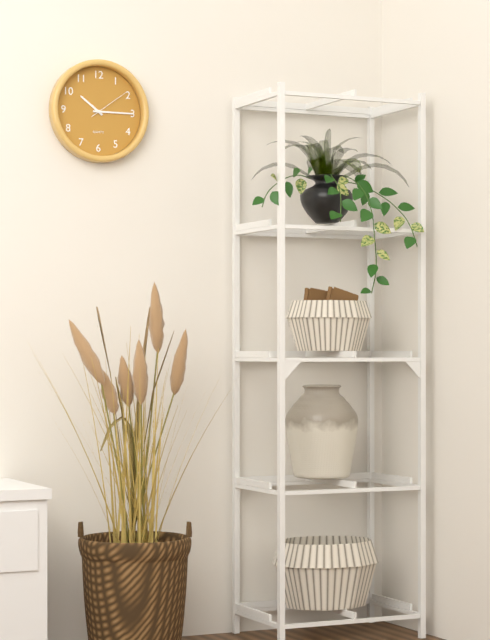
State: h=10 m=15
